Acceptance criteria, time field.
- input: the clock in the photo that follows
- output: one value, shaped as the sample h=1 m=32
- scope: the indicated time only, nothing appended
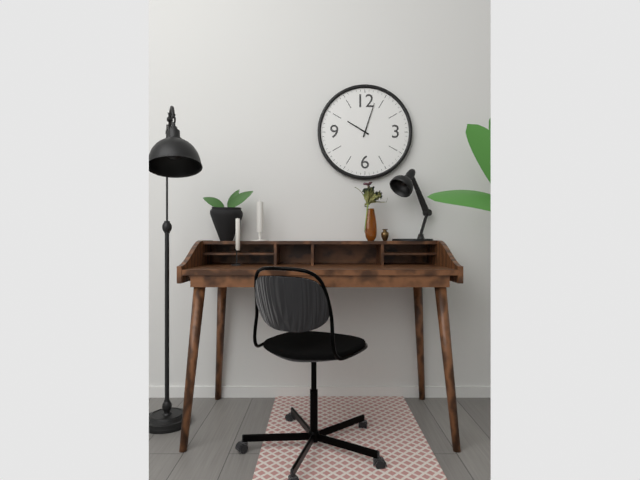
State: h=10 m=3
